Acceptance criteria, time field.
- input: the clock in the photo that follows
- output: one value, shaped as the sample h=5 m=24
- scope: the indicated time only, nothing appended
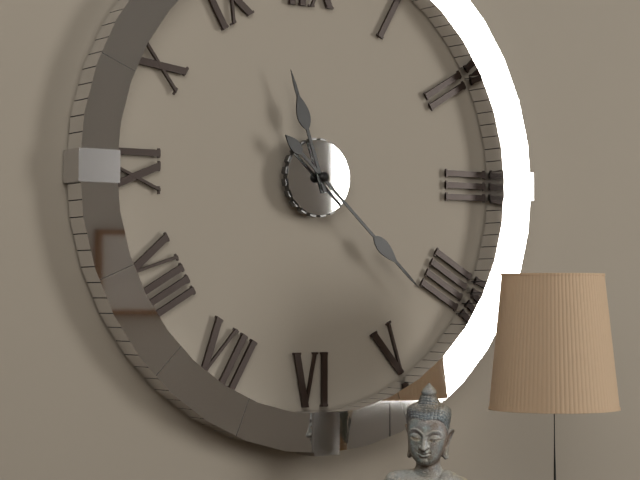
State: h=11 m=22
